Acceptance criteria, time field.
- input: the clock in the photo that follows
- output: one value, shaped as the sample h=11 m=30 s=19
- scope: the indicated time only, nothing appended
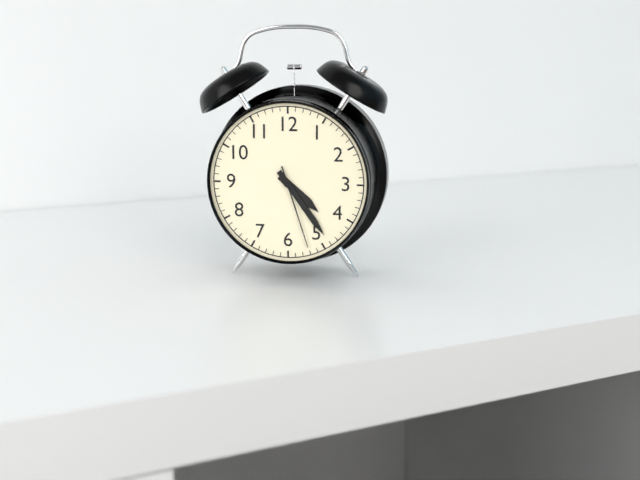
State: h=4 m=24 s=27
